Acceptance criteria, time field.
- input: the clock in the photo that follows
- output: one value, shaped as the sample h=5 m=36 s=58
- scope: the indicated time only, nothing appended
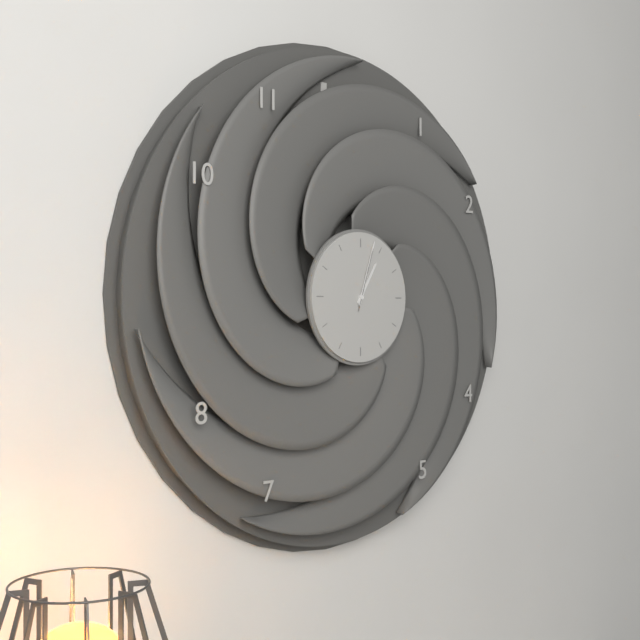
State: h=1 m=3 s=3
